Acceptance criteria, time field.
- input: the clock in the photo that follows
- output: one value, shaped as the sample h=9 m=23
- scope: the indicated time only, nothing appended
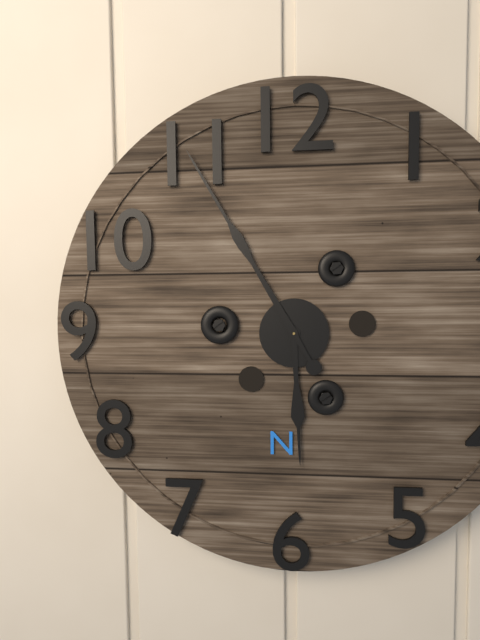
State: h=5 m=55
